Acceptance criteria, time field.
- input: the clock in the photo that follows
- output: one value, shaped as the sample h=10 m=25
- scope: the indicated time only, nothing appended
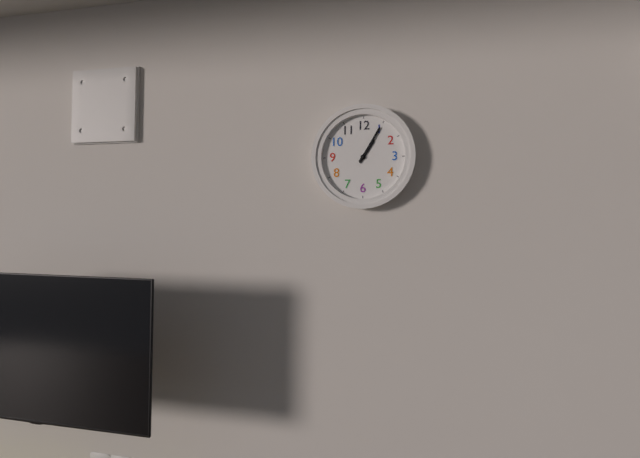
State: h=1 m=5
